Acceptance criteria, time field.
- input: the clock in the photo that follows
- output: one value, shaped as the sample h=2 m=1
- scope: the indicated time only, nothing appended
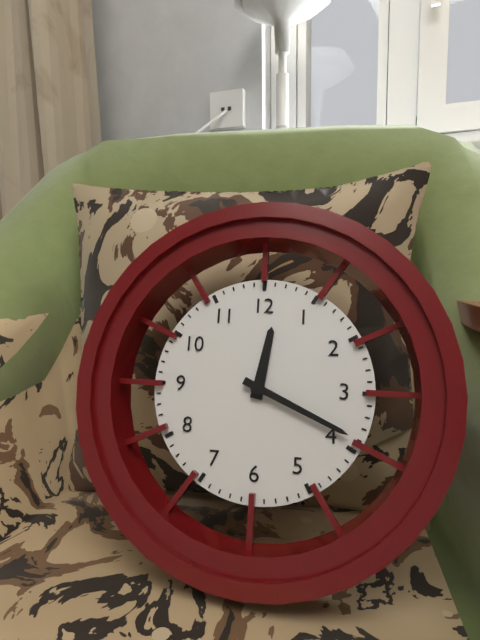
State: h=12 m=19
